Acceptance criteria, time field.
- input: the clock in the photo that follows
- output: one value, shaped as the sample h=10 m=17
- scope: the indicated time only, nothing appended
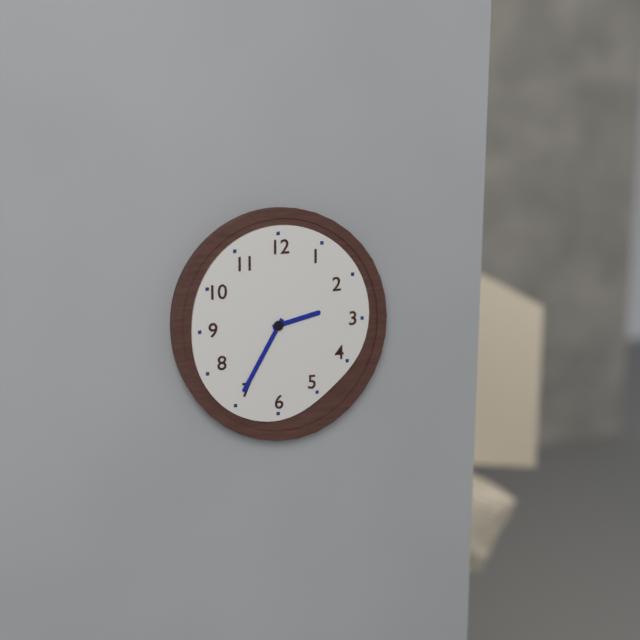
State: h=2 m=35
